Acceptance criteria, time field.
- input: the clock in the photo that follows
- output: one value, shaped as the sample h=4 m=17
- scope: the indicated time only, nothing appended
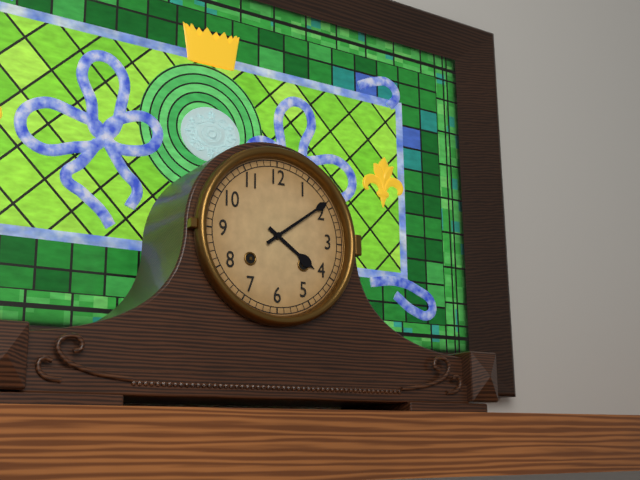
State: h=4 m=9
